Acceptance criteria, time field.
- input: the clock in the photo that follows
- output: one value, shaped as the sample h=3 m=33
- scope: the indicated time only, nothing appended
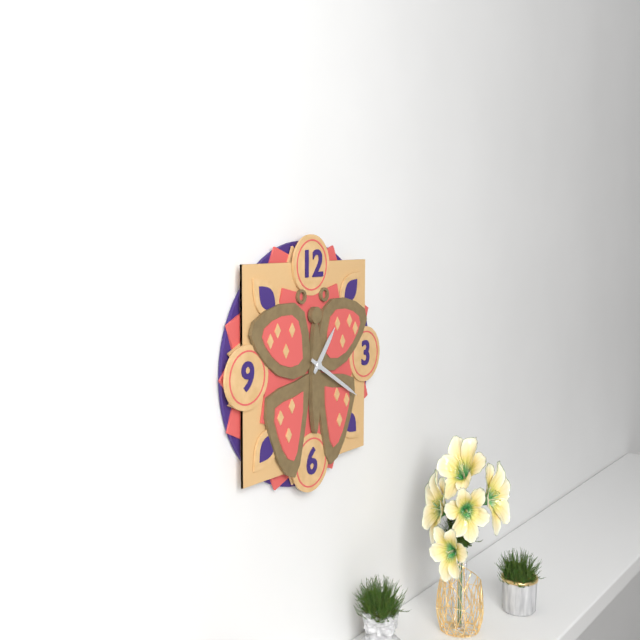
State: h=1 m=20
